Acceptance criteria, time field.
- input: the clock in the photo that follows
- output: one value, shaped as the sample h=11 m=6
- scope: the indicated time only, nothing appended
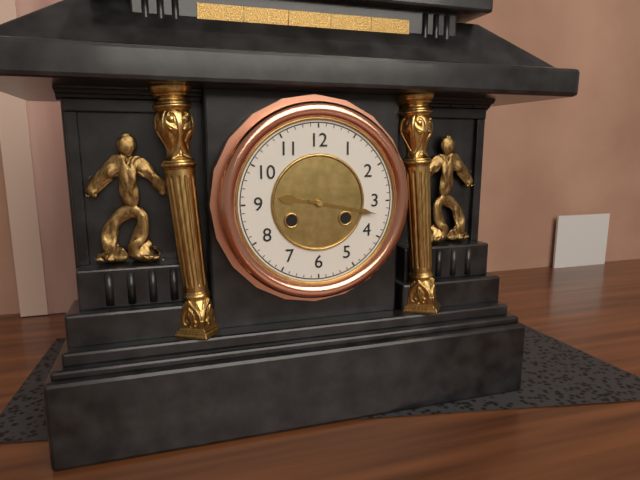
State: h=9 m=17
